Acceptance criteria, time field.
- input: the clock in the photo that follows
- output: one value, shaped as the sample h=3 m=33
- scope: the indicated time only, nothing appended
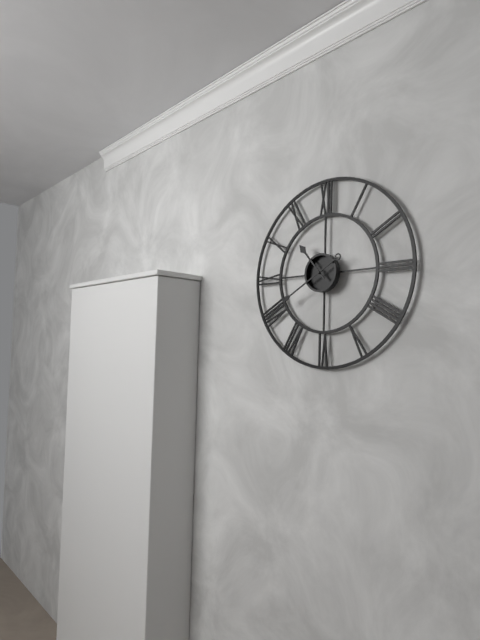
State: h=10 m=40
